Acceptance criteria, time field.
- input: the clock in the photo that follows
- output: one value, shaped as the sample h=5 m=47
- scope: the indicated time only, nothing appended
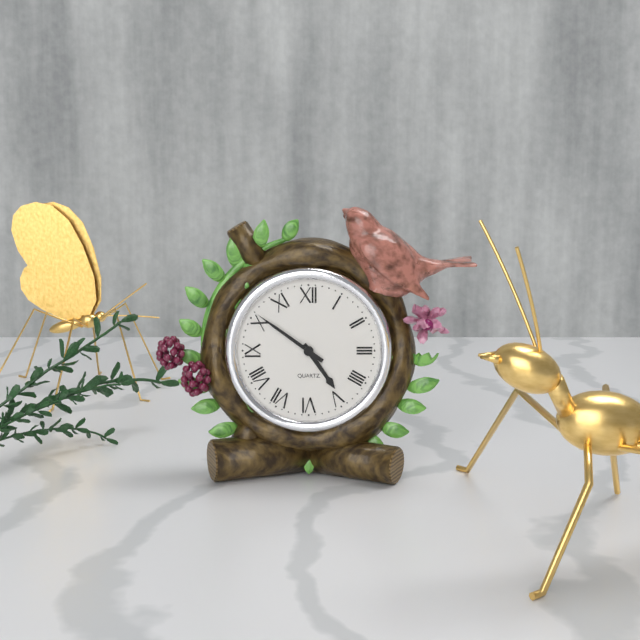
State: h=4 m=51
